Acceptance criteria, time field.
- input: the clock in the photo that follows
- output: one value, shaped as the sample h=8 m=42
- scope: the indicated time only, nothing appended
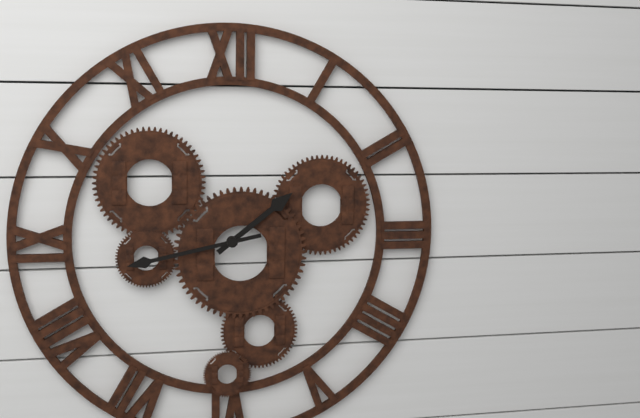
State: h=1 m=43
